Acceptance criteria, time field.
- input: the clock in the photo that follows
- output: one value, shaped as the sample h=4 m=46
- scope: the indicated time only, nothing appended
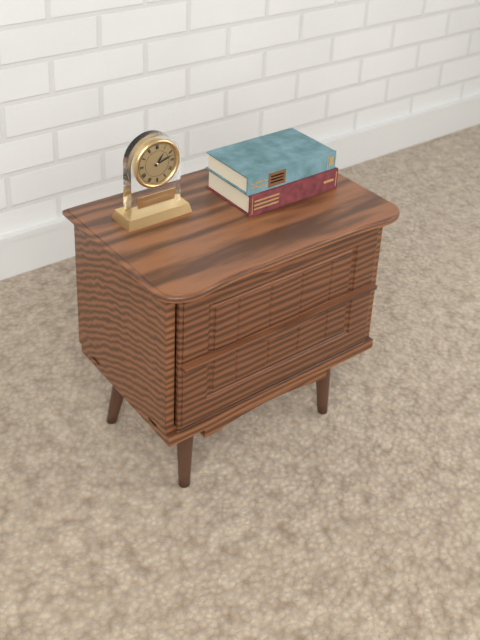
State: h=1 m=12
